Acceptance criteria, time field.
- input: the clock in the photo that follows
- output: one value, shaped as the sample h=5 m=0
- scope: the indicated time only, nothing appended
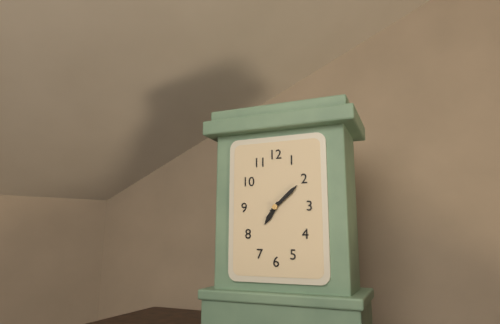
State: h=7 m=8
